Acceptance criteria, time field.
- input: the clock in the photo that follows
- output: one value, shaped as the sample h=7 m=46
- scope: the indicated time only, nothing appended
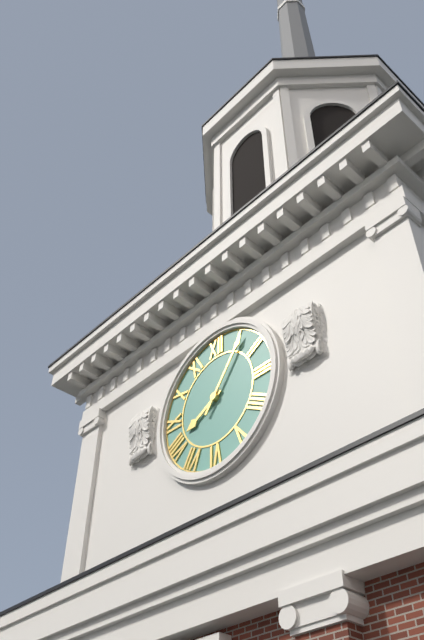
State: h=8 m=6
